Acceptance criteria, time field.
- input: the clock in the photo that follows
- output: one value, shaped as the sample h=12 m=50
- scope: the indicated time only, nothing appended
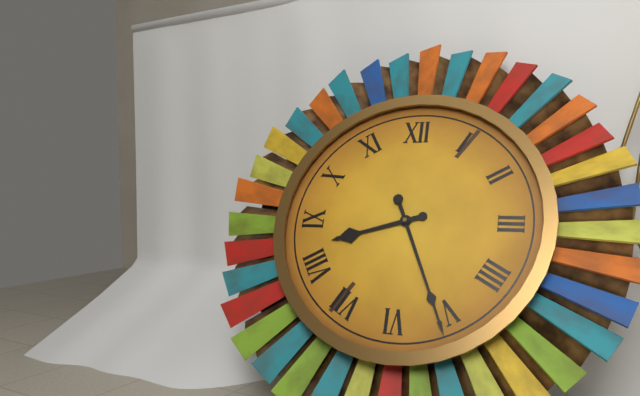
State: h=8 m=26
